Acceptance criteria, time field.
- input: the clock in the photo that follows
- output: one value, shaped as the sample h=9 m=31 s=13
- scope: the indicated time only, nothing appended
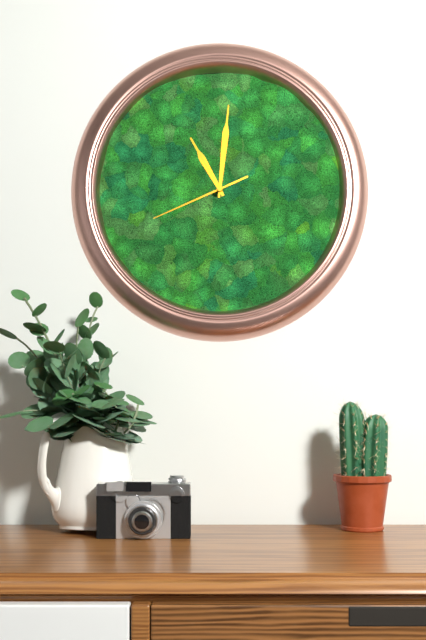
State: h=11 m=1 s=41
